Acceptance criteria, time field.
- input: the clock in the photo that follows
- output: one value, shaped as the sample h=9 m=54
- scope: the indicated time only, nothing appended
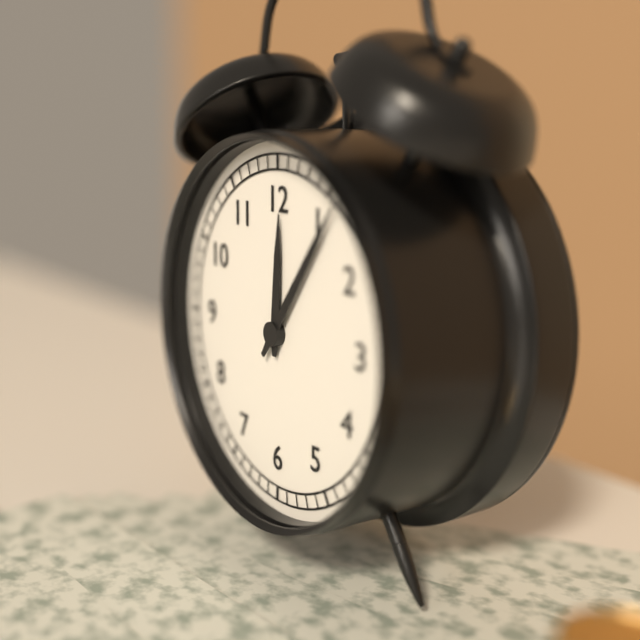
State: h=12 m=6
